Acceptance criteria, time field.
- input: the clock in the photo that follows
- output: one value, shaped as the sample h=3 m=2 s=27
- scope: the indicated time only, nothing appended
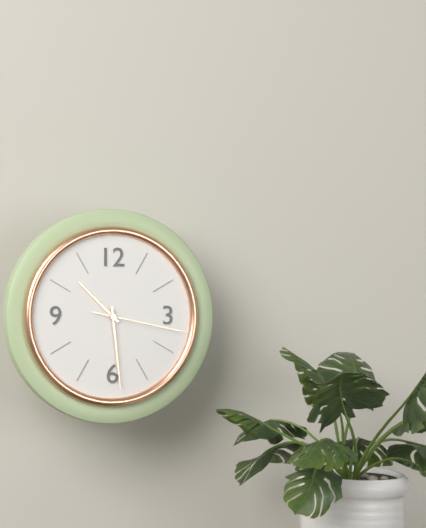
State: h=10 m=29 s=17
